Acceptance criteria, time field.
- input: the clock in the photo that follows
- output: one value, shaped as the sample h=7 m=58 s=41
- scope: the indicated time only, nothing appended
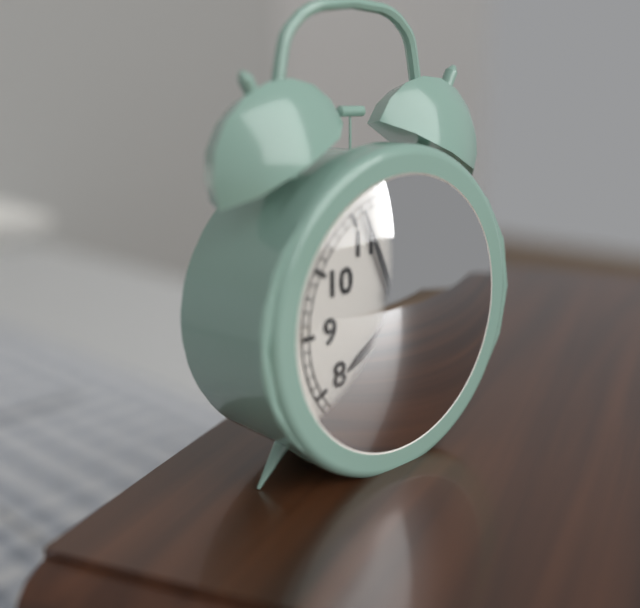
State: h=7 m=56 s=24
